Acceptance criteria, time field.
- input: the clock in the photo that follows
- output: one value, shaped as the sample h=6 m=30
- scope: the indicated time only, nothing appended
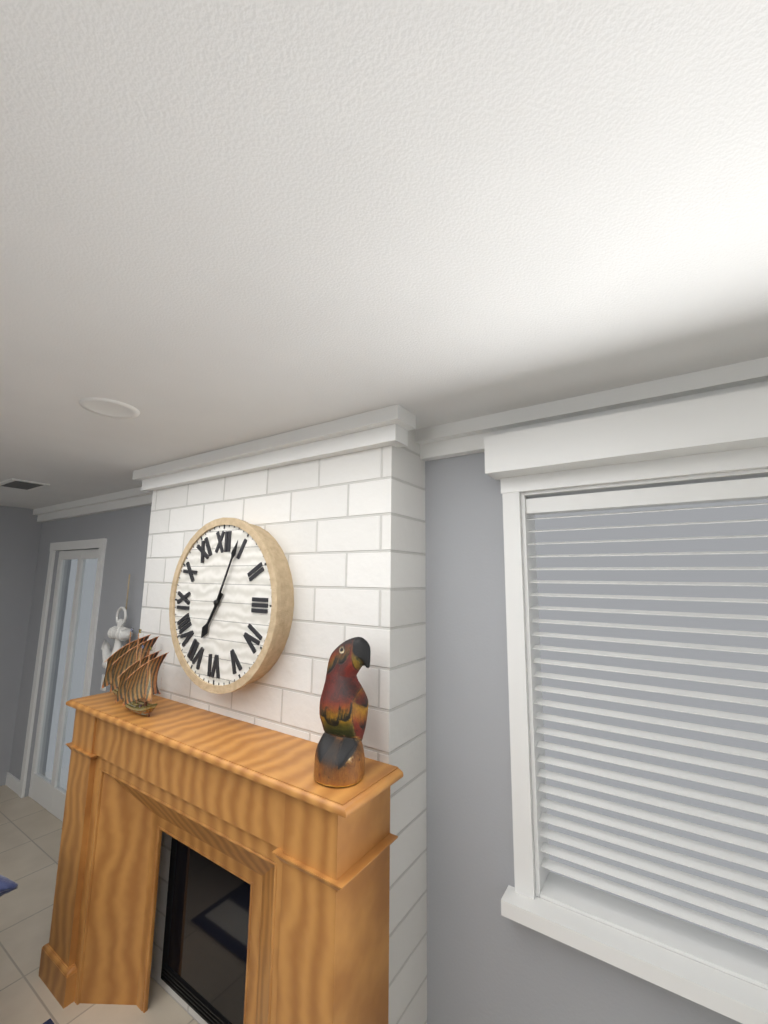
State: h=7 m=4
